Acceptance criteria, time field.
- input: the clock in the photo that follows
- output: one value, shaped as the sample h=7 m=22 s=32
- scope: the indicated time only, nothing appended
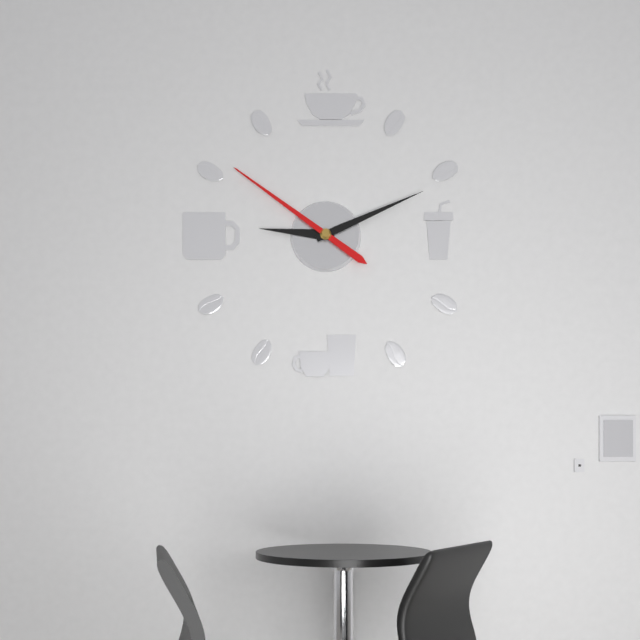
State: h=9 m=11 s=51
